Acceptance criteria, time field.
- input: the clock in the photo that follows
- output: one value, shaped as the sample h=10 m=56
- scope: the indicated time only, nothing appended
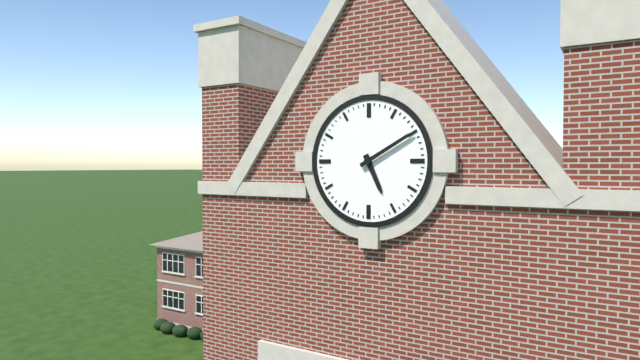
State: h=5 m=10
